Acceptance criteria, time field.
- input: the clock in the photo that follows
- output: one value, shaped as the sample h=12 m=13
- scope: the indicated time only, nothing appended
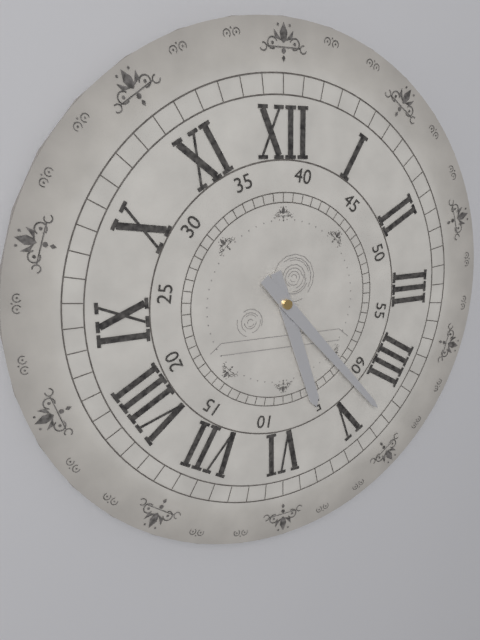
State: h=5 m=23
